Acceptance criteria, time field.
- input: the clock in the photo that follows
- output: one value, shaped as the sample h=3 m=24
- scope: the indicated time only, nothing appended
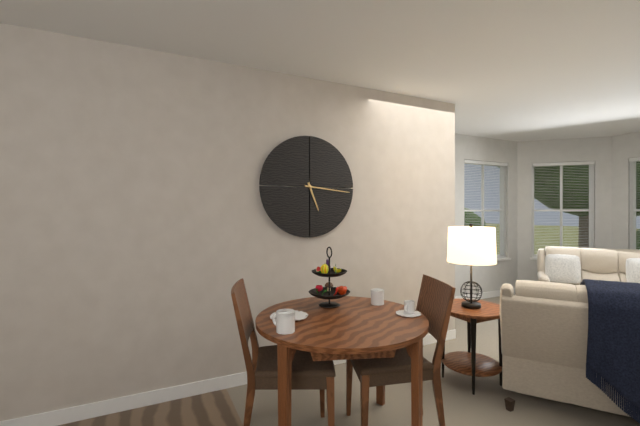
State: h=5 m=16
